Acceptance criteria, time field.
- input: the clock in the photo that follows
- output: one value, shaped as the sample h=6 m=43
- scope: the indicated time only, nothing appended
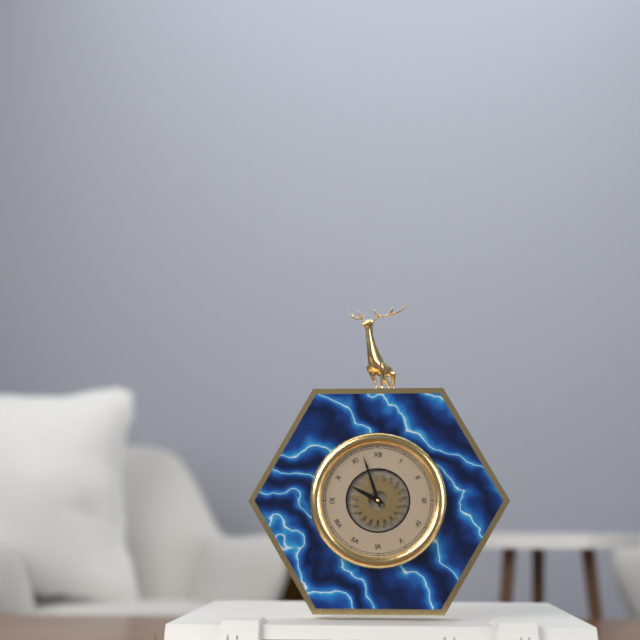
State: h=9 m=57
